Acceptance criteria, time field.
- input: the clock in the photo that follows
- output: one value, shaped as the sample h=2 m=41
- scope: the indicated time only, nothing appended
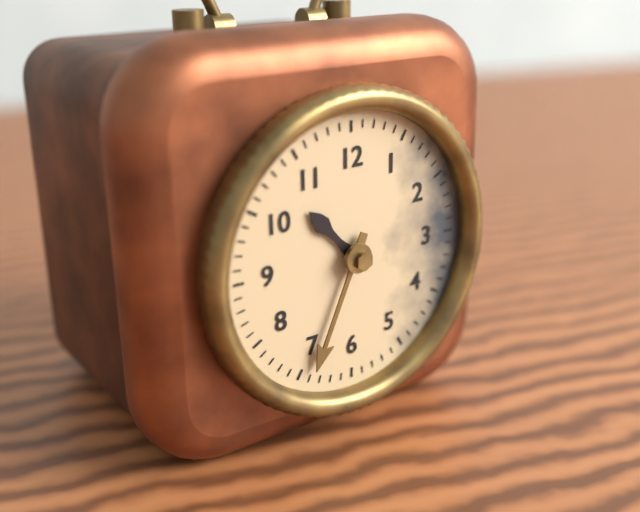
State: h=10 m=34
